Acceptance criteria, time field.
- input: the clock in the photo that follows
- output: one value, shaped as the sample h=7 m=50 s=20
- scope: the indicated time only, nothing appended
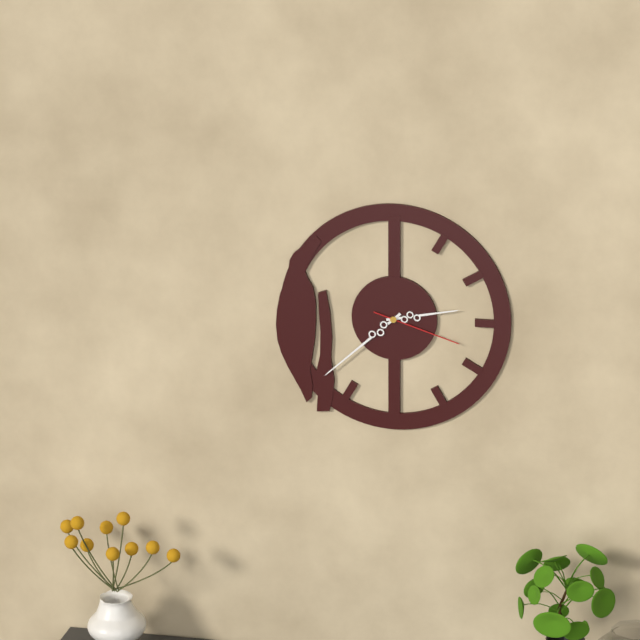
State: h=2 m=38 s=18
